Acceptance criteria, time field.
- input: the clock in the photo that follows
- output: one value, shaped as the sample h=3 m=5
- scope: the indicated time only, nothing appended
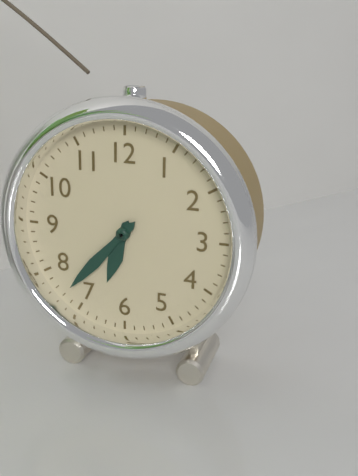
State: h=6 m=37
